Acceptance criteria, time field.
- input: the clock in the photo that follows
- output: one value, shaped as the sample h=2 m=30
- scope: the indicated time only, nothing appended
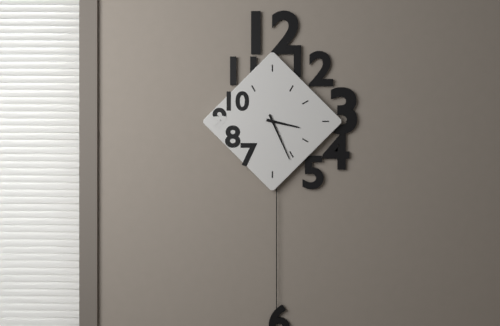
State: h=3 m=26
